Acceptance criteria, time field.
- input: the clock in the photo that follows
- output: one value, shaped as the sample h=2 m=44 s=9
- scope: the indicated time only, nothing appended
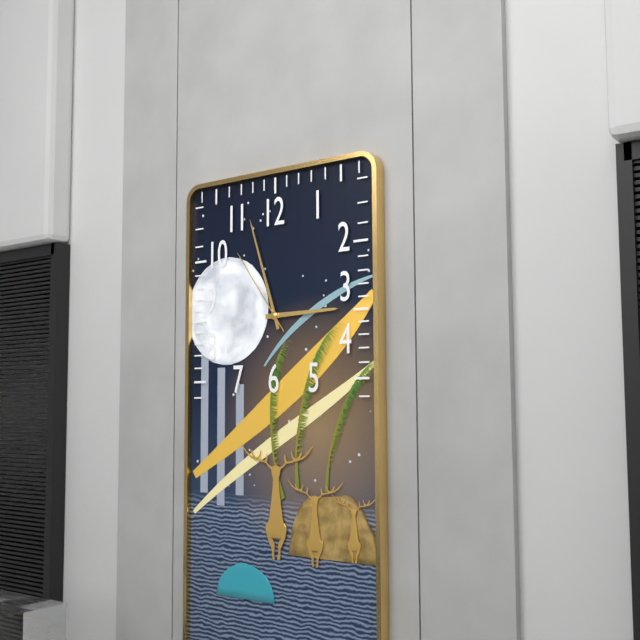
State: h=2 m=57 s=54
